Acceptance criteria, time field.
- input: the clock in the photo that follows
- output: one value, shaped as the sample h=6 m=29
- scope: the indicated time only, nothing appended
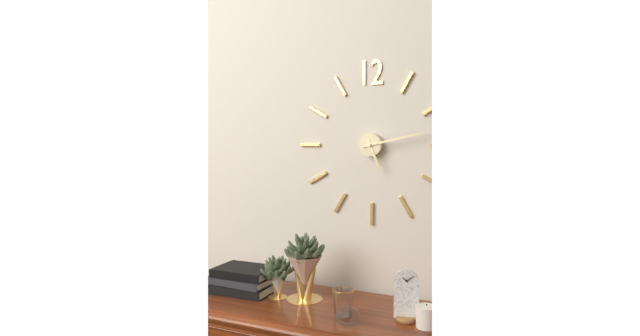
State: h=5 m=13
